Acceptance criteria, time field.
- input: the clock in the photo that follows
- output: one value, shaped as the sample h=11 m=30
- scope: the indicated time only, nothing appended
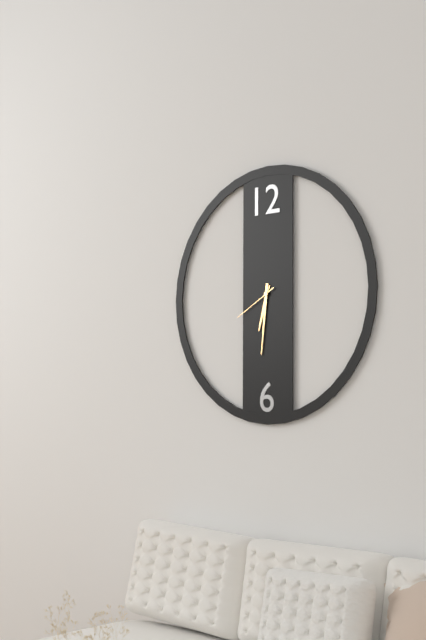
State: h=6 m=31
